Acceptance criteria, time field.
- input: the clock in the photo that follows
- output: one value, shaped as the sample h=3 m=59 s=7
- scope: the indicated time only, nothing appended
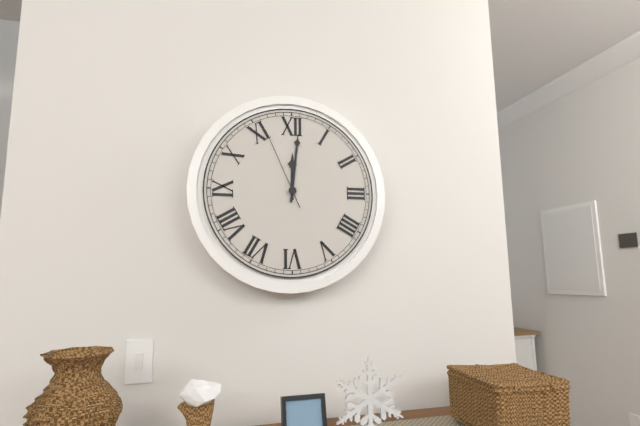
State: h=12 m=1 s=56
